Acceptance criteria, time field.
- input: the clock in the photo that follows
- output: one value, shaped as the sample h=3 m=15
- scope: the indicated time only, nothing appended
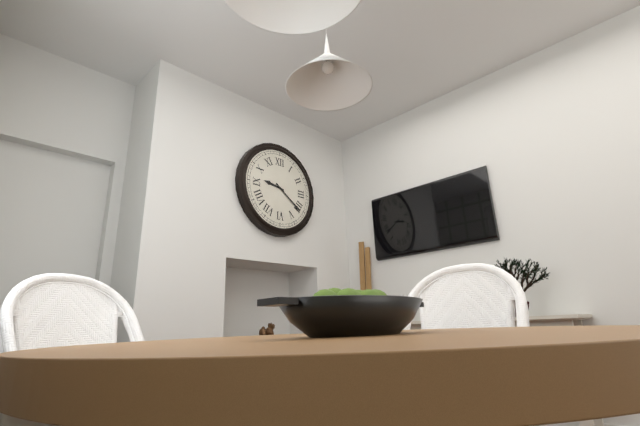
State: h=9 m=21
